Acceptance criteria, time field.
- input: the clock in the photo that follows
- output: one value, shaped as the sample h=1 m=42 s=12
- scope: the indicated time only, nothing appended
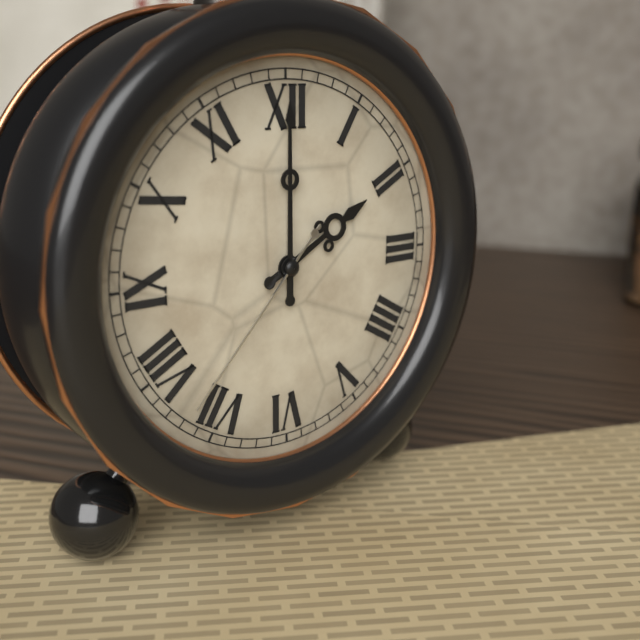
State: h=2 m=0 s=37
